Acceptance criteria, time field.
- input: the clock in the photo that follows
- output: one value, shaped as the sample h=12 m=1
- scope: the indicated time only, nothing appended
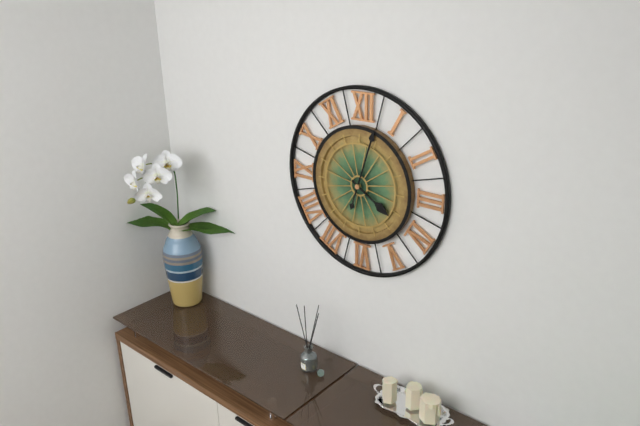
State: h=4 m=3
